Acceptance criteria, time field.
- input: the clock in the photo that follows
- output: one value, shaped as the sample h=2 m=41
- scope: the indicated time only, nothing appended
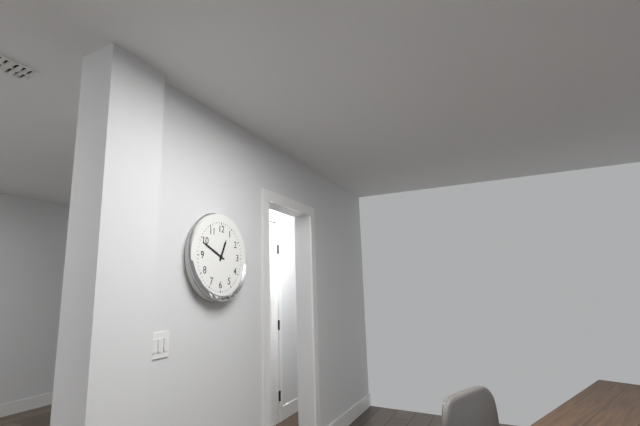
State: h=12 m=49
